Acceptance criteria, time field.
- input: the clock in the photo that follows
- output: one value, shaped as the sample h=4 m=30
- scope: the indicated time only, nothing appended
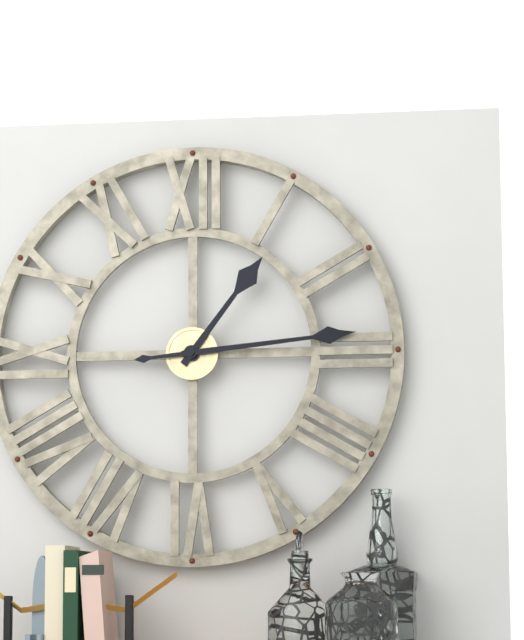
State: h=1 m=14
